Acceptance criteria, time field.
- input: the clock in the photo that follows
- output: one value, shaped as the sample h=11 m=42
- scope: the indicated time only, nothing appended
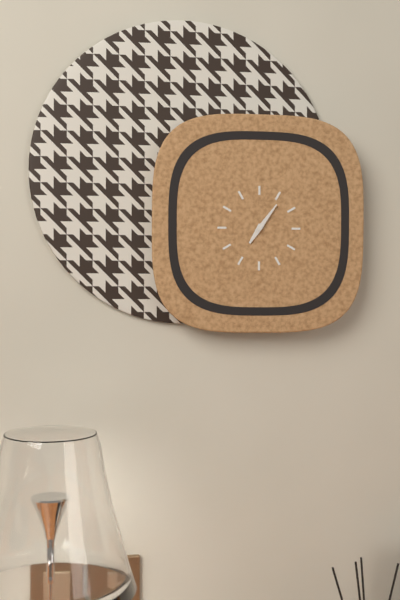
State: h=7 m=6
